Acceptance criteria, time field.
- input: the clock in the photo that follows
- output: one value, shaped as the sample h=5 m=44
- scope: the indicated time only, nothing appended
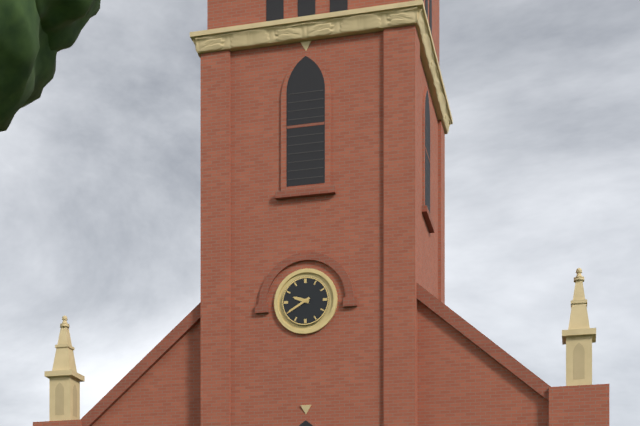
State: h=9 m=40
